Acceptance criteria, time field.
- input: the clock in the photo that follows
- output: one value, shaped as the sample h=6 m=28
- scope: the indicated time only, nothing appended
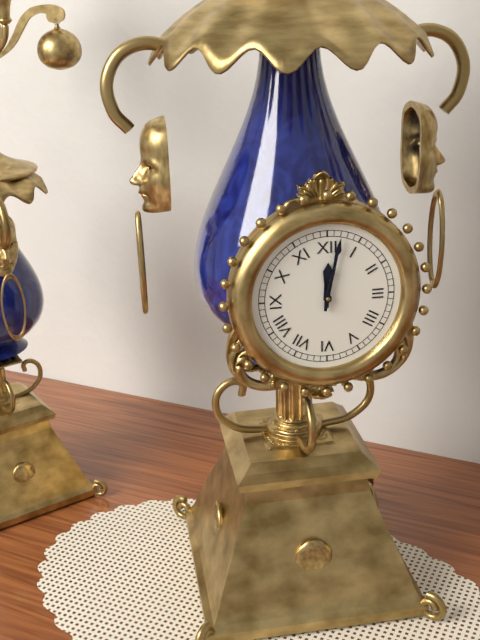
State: h=12 m=2
